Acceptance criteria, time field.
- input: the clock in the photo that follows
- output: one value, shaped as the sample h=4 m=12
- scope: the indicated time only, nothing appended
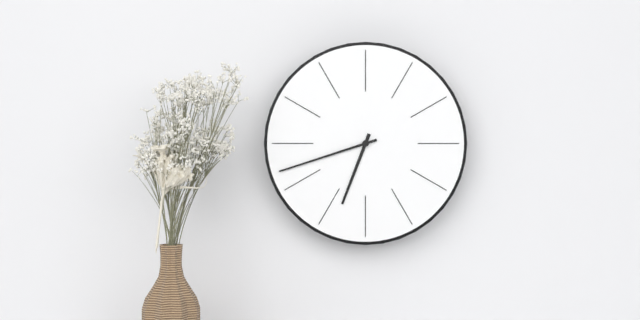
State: h=6 m=42
